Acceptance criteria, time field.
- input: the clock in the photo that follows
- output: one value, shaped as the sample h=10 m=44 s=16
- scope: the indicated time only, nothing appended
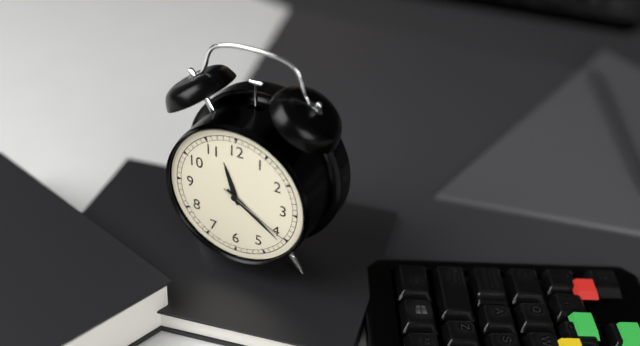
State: h=11 m=21 s=20
